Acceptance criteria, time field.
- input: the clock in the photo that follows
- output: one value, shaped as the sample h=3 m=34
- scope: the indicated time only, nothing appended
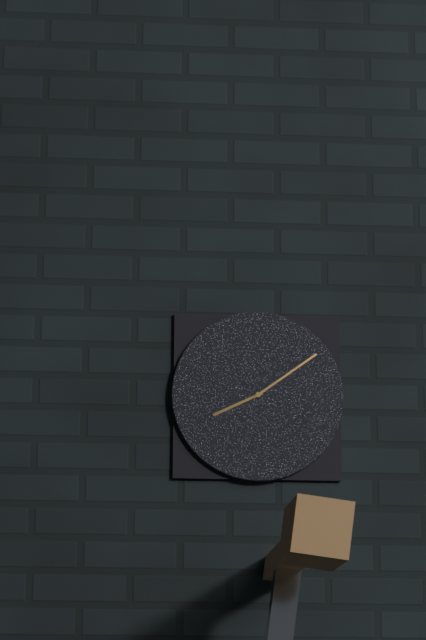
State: h=8 m=9
